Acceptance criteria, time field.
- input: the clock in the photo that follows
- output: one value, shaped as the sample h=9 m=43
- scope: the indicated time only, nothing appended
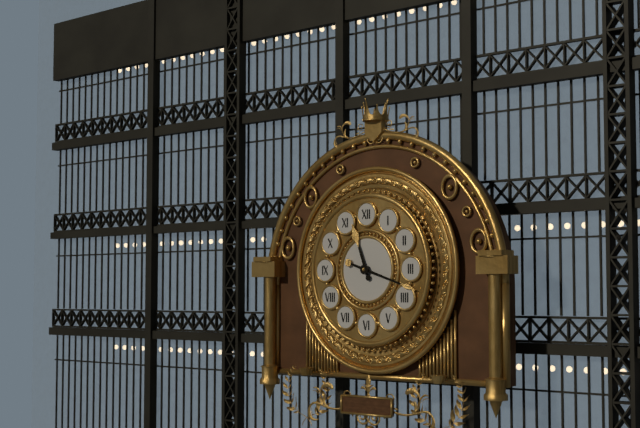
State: h=11 m=18
